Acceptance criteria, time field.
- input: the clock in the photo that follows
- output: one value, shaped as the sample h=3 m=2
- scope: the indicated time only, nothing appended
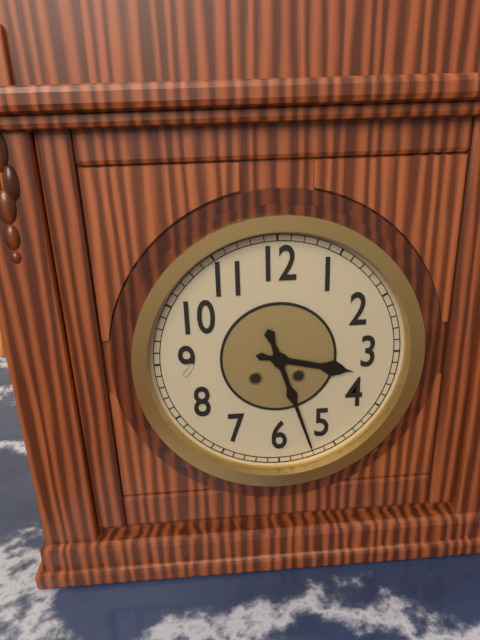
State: h=3 m=27
